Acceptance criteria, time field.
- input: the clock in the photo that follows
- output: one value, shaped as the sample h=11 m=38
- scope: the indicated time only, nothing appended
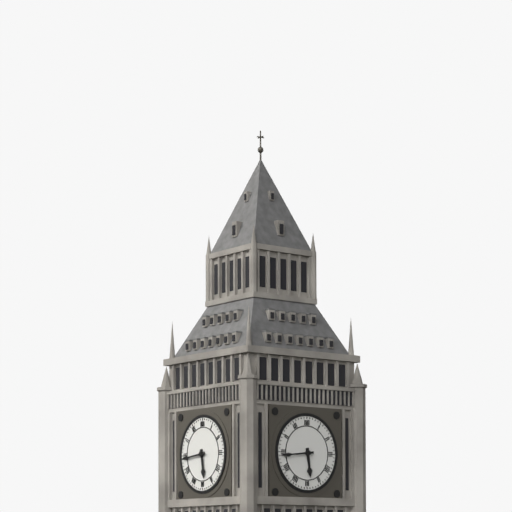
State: h=5 m=44
